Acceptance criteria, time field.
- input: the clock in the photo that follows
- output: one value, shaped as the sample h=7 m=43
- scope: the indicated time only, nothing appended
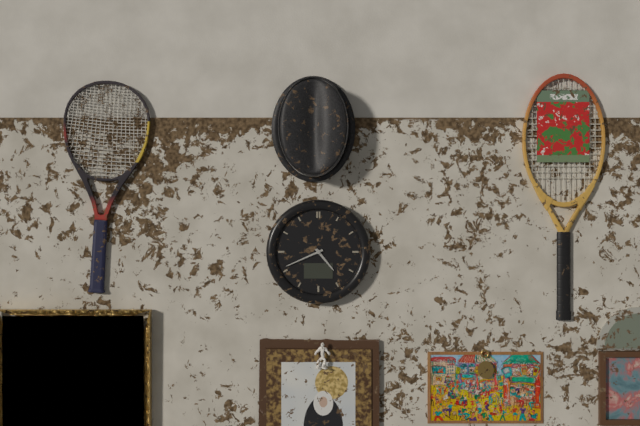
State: h=4 m=41
